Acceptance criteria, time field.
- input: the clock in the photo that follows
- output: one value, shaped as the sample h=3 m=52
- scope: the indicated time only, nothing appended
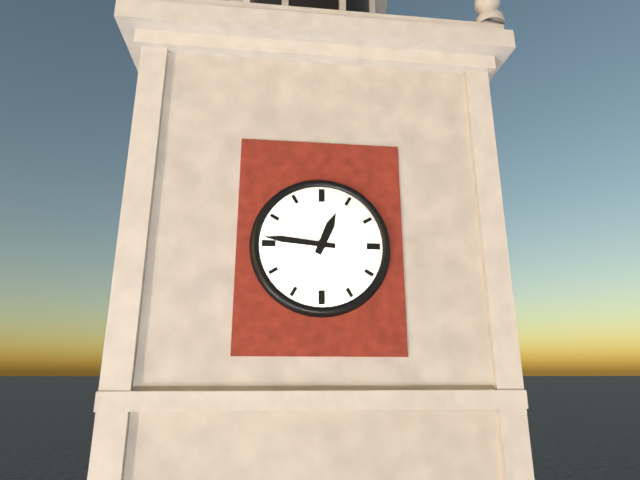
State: h=12 m=46
